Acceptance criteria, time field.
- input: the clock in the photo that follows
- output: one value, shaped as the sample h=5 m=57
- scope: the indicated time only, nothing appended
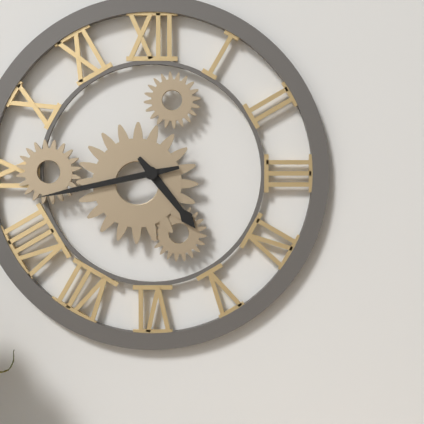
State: h=4 m=43
